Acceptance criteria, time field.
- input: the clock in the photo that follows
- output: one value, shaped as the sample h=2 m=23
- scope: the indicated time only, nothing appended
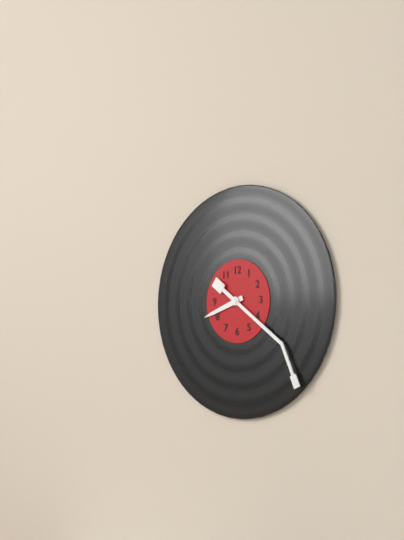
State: h=8 m=21
